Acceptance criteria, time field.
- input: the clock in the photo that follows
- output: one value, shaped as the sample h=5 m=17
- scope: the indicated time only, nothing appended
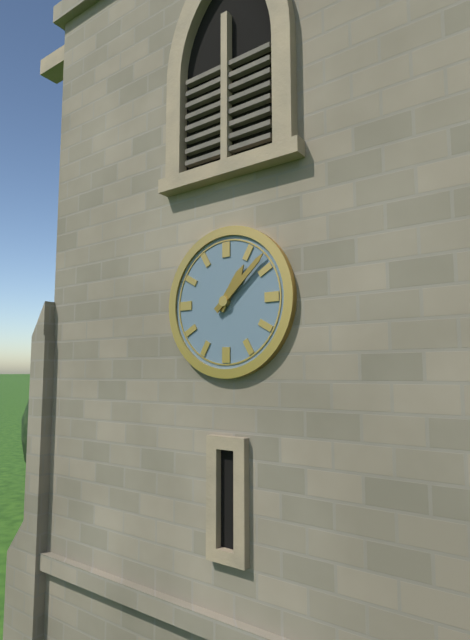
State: h=1 m=8
